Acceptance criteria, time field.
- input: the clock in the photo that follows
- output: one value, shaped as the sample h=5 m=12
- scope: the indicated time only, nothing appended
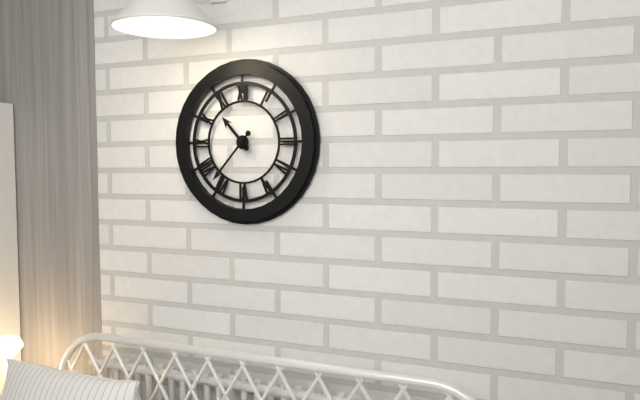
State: h=10 m=37
